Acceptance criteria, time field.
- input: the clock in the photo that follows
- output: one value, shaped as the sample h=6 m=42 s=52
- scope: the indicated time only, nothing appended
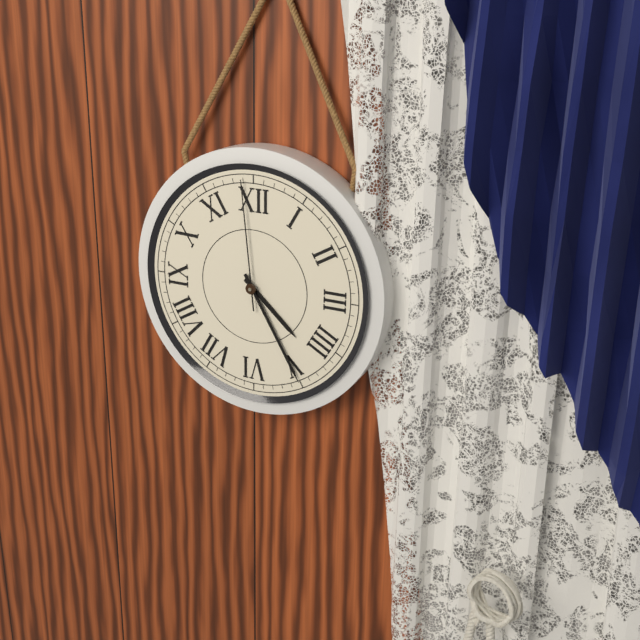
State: h=4 m=25 s=59
